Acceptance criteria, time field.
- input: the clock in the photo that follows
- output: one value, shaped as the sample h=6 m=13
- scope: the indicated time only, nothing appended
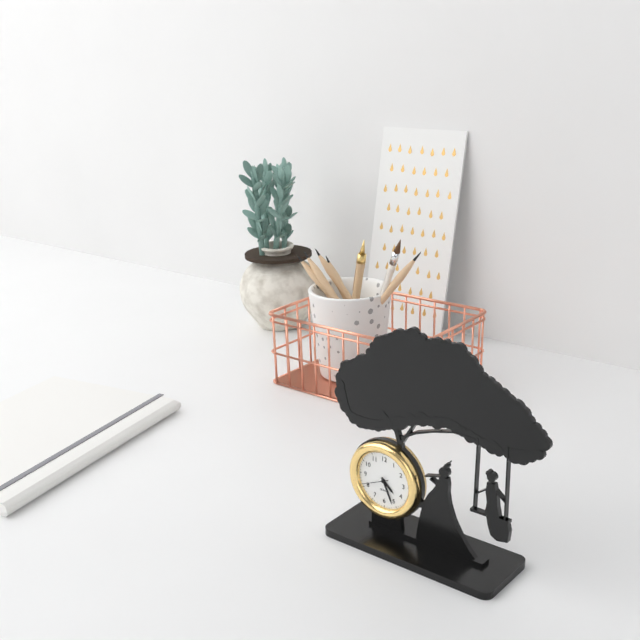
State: h=4 m=26
